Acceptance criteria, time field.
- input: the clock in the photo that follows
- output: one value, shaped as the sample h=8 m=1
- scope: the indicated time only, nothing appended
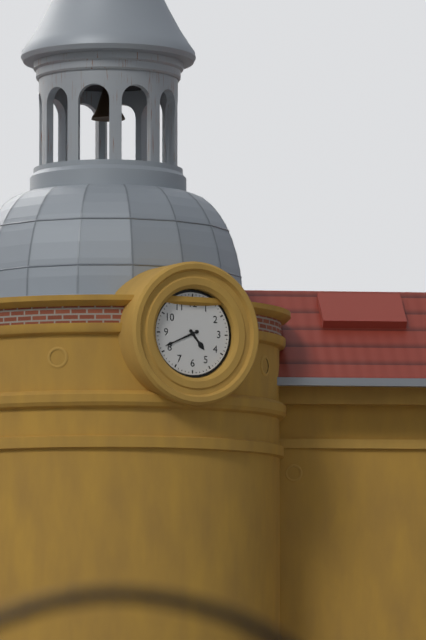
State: h=4 m=41
